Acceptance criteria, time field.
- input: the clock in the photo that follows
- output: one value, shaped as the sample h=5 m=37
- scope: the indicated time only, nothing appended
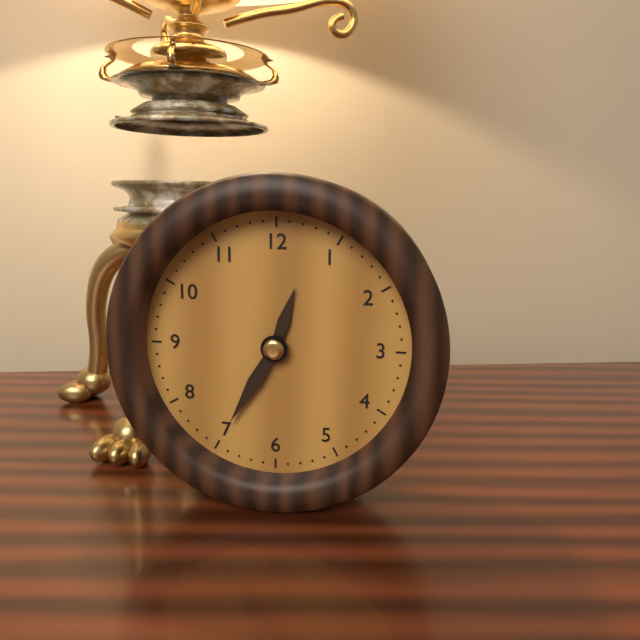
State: h=12 m=35
